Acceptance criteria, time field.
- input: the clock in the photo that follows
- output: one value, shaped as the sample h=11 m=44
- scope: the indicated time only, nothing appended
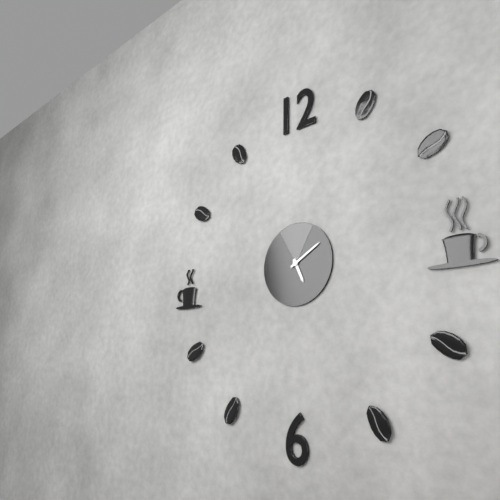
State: h=5 m=10
